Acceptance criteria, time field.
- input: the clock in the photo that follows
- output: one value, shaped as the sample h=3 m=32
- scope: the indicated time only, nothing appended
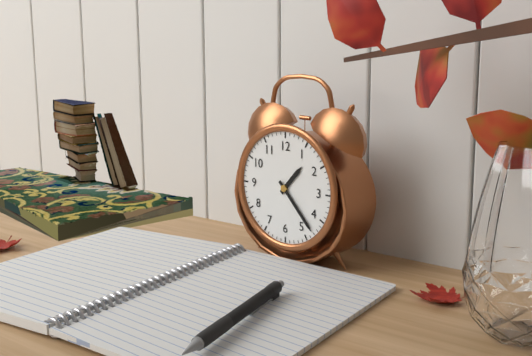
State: h=1 m=23
